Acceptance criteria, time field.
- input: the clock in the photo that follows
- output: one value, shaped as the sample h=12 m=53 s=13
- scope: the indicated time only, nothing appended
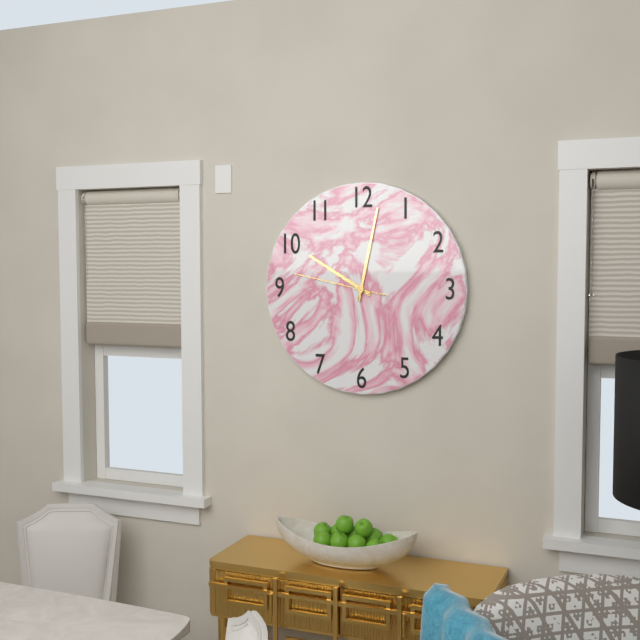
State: h=10 m=2 s=47
